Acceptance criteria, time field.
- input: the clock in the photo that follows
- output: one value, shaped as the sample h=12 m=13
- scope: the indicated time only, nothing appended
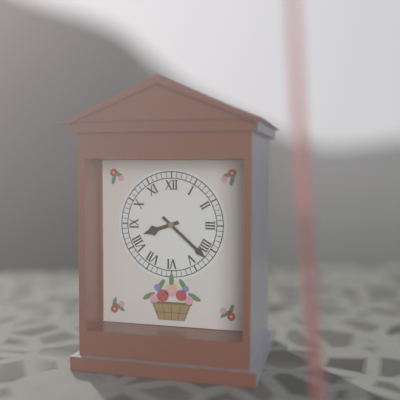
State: h=8 m=22
